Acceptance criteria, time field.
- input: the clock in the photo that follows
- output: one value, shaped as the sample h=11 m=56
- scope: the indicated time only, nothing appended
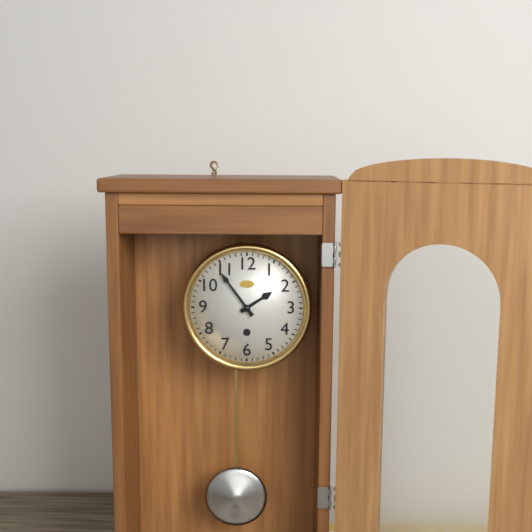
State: h=1 m=54
